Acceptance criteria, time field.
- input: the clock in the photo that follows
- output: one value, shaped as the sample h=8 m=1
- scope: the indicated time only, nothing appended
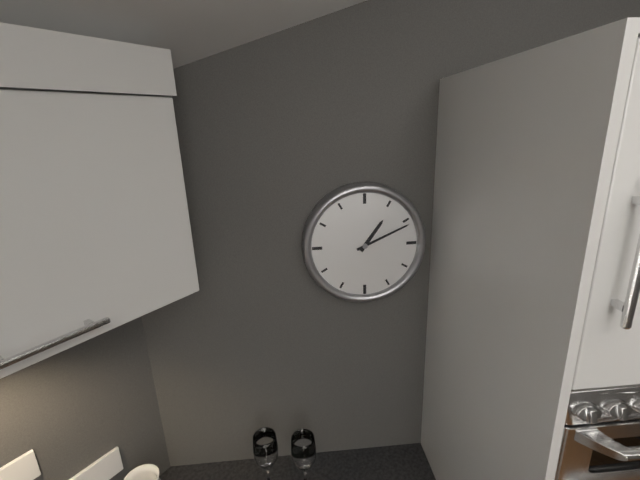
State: h=1 m=11
